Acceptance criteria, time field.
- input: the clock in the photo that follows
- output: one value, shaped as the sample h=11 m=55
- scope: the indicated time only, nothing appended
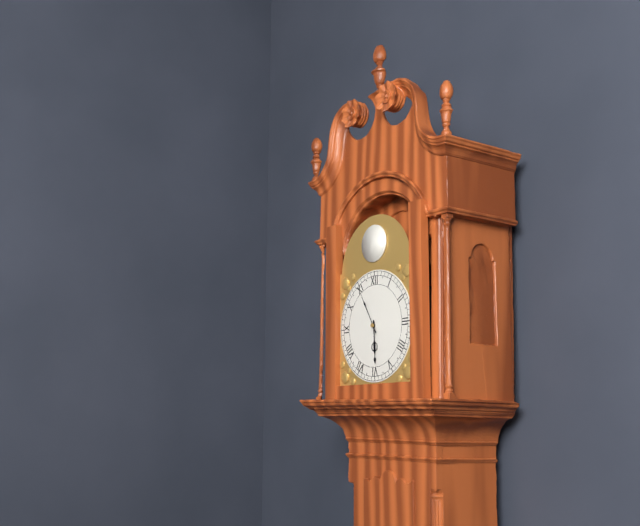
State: h=5 m=55
